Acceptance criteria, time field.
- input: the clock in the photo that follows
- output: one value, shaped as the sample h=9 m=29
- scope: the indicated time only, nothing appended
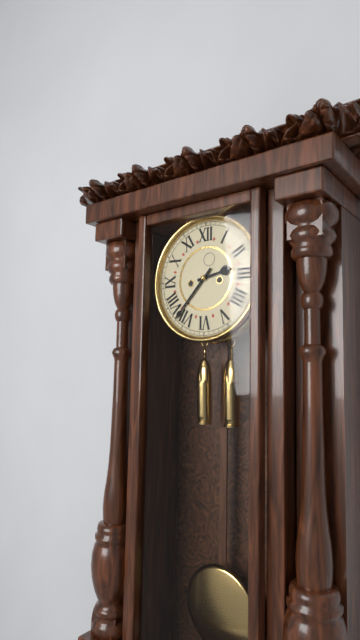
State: h=2 m=37
